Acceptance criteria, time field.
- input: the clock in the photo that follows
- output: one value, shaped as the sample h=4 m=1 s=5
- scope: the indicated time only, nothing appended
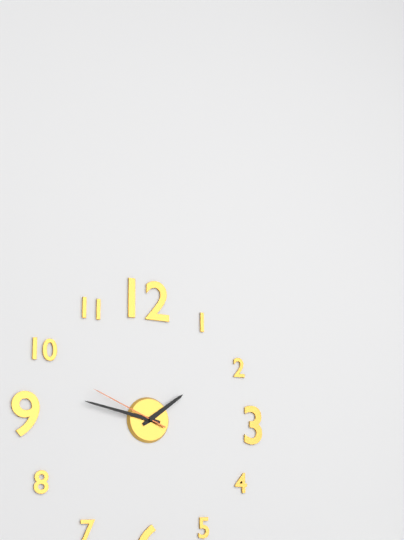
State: h=1 m=47 s=49
